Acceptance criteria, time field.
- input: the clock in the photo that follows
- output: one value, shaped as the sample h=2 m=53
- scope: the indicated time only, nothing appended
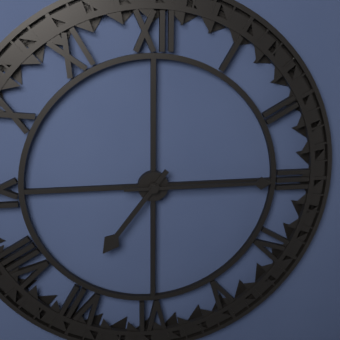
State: h=7 m=15
